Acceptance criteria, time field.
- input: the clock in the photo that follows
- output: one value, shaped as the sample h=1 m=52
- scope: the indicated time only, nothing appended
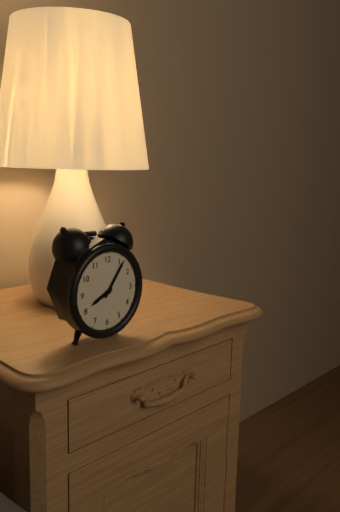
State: h=8 m=6
